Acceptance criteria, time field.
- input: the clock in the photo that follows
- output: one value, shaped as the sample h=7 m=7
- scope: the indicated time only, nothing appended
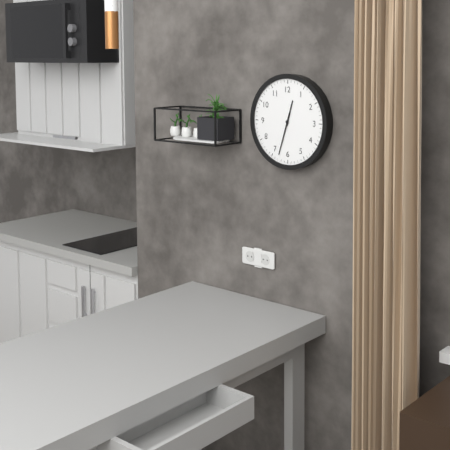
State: h=12 m=33
